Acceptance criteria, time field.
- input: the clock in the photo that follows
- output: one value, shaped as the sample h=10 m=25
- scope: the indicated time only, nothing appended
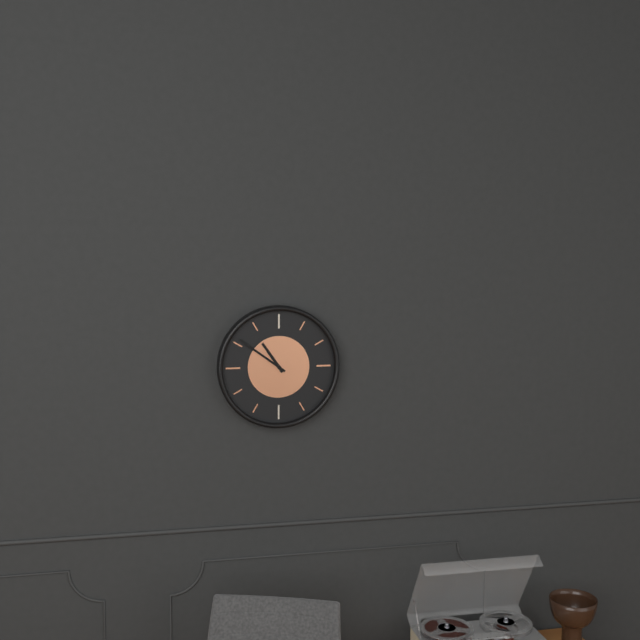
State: h=10 m=51
